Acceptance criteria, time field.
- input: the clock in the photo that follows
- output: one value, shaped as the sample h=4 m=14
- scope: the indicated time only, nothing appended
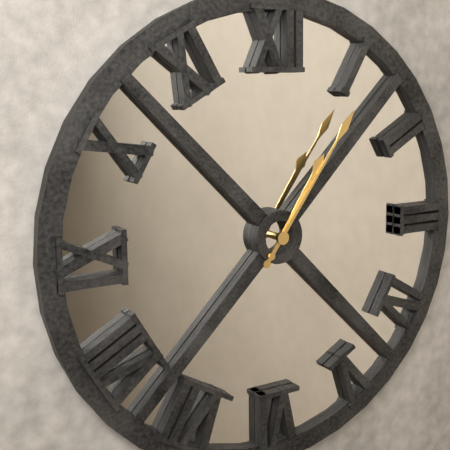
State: h=1 m=6
